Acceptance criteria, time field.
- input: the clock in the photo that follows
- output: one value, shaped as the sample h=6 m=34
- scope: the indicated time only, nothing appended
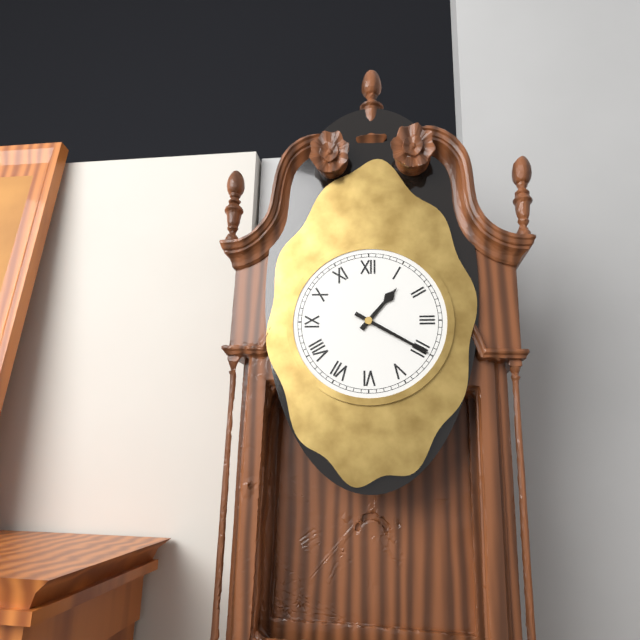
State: h=1 m=20
